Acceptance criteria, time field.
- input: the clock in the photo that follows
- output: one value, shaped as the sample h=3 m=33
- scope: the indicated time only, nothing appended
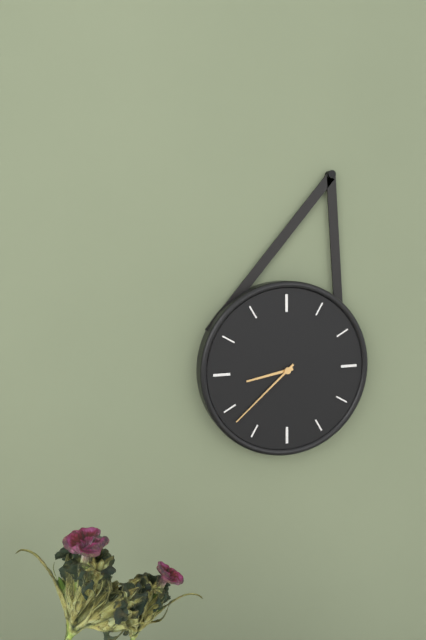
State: h=8 m=38
